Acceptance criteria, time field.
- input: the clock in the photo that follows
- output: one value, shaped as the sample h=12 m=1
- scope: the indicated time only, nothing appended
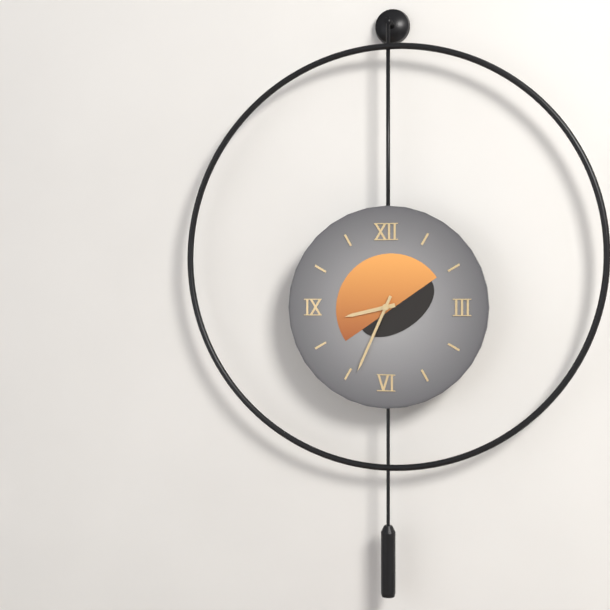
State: h=8 m=34
